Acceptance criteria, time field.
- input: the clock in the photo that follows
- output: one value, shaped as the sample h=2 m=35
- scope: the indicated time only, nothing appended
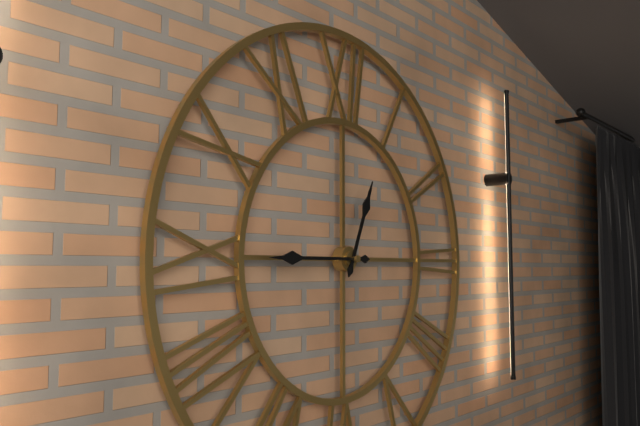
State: h=12 m=45
